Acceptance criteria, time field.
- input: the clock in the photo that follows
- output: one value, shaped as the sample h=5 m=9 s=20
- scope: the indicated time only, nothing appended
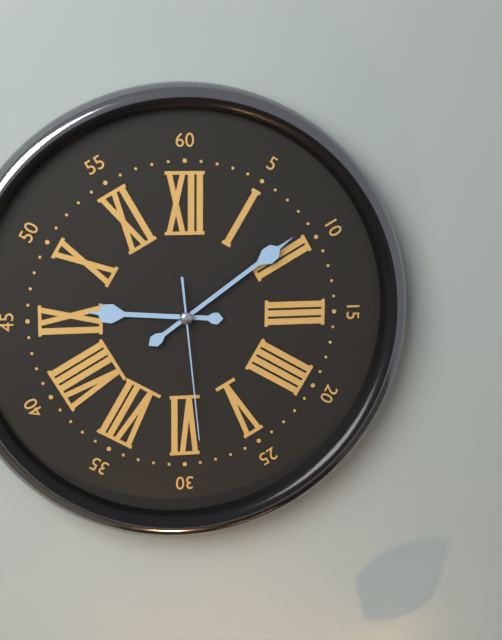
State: h=9 m=9 s=29
